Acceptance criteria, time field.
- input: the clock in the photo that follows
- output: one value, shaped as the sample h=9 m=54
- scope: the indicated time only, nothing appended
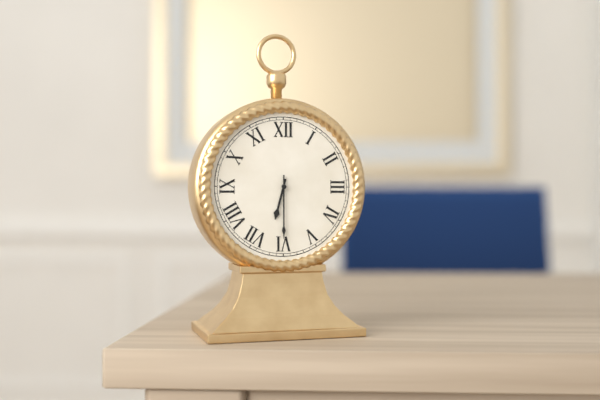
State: h=6 m=30
